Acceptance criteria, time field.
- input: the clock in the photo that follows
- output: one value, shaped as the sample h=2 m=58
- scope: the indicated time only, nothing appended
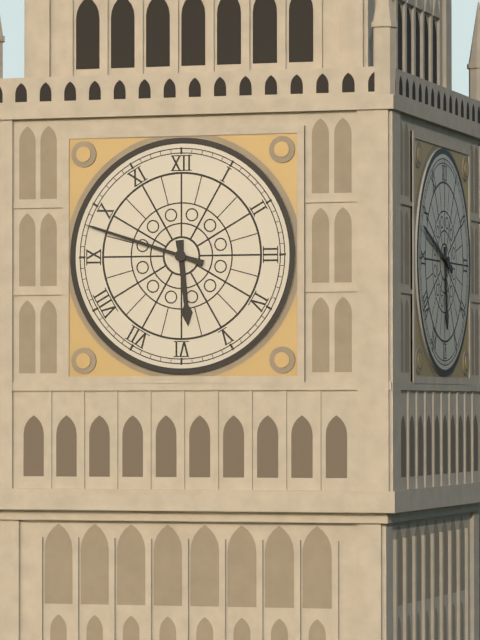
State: h=5 m=48
